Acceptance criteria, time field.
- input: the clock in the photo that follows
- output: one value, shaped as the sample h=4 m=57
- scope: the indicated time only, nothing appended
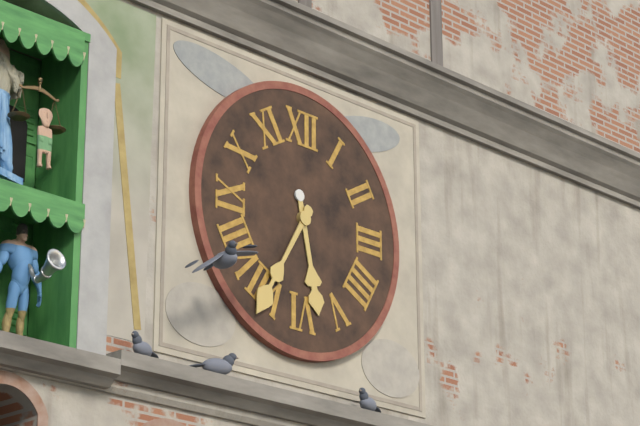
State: h=5 m=35
